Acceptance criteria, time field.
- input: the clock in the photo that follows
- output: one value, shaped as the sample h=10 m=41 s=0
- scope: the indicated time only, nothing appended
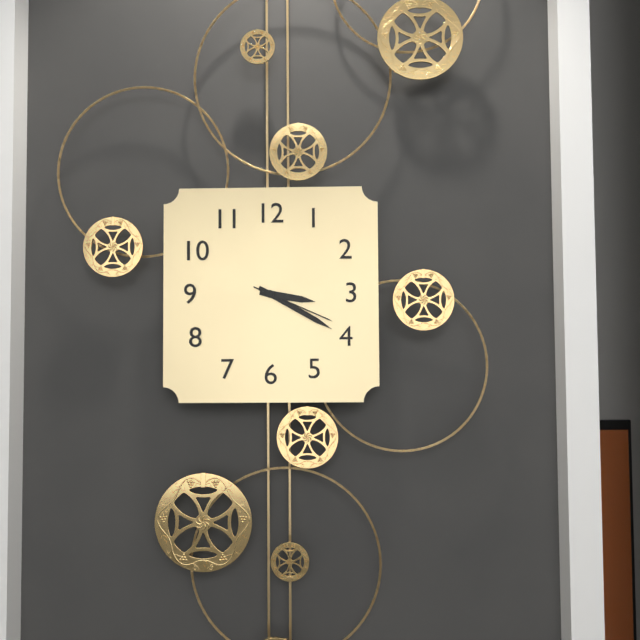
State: h=3 m=20 s=19
